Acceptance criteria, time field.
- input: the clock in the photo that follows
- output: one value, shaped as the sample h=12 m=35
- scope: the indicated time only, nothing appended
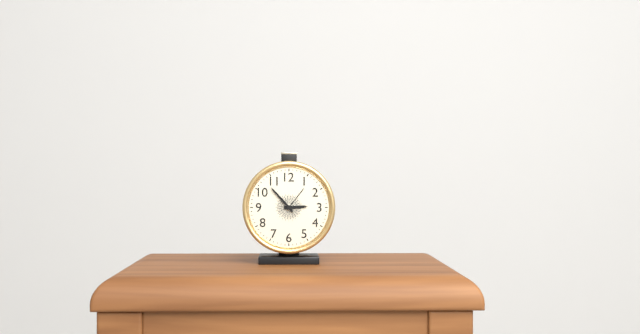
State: h=2 m=53
